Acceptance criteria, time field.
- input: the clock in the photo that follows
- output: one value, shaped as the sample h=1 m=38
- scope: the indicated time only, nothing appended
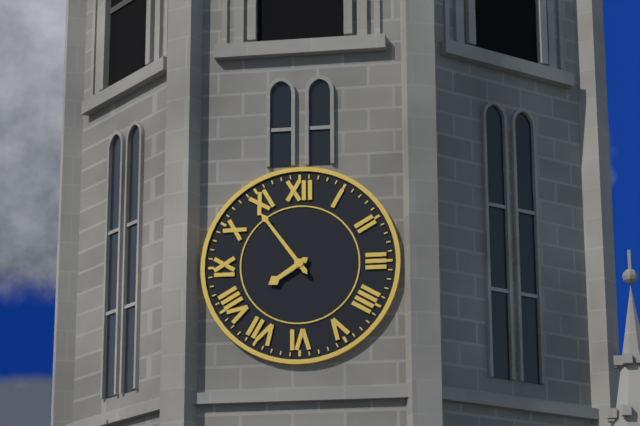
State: h=7 m=54
